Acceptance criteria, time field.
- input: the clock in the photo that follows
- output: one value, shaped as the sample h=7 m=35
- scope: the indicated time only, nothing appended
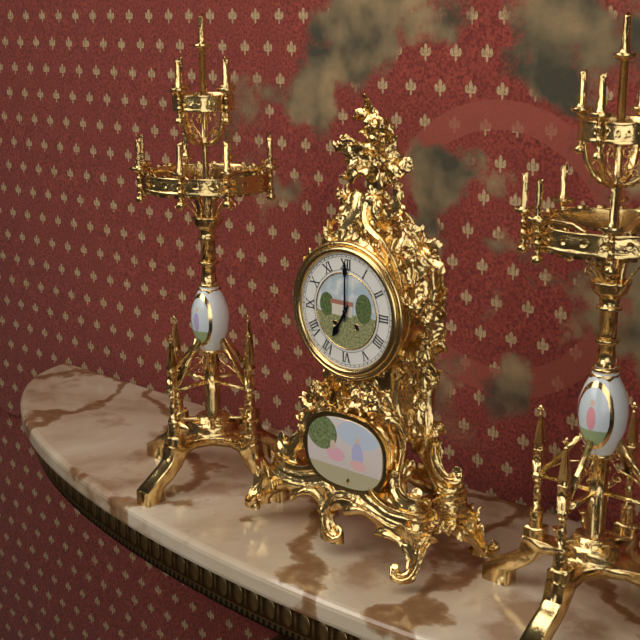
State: h=7 m=0
